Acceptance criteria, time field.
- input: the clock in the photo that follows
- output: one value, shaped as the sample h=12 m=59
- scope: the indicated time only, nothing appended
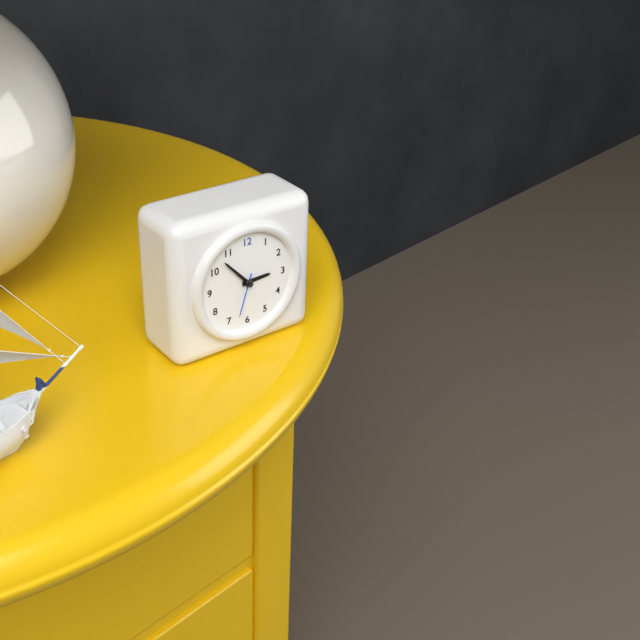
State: h=2 m=53
